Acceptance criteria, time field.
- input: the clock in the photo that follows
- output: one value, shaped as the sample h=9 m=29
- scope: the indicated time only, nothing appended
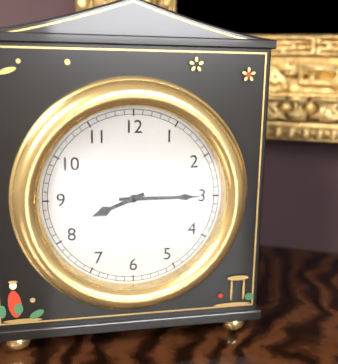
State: h=8 m=15
